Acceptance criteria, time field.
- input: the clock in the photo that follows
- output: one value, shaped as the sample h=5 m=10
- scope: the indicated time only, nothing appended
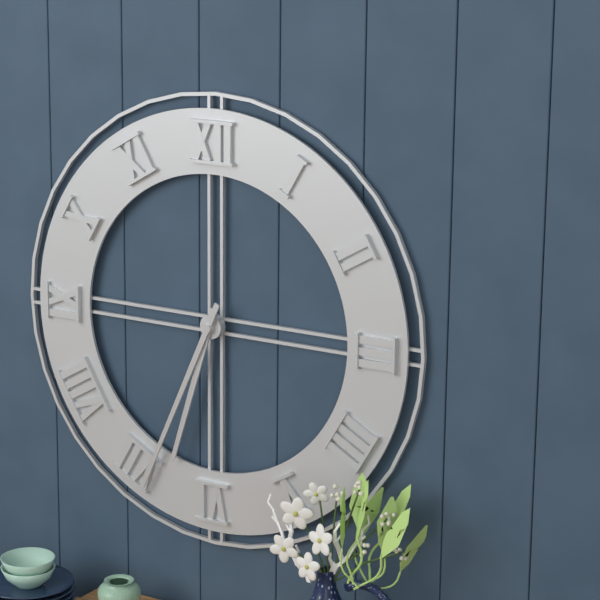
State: h=6 m=34
